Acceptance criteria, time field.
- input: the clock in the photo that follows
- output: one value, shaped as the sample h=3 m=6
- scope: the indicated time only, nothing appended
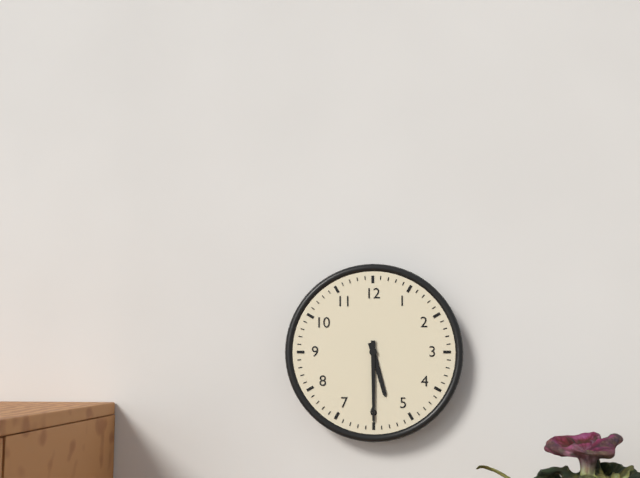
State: h=5 m=30
